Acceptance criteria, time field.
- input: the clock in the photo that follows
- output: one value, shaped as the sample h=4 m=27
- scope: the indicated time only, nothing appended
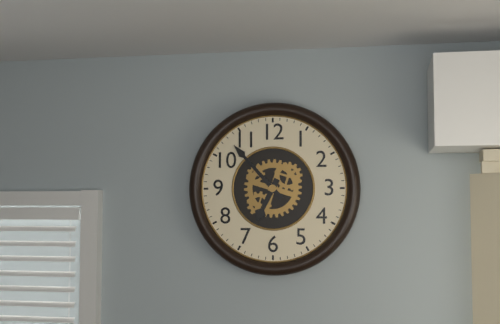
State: h=6 m=53
